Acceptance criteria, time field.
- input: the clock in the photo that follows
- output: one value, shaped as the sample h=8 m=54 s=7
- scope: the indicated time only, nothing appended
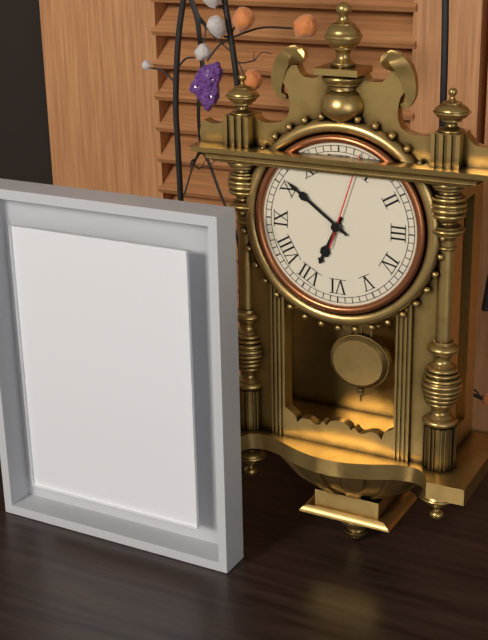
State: h=6 m=51 s=3
